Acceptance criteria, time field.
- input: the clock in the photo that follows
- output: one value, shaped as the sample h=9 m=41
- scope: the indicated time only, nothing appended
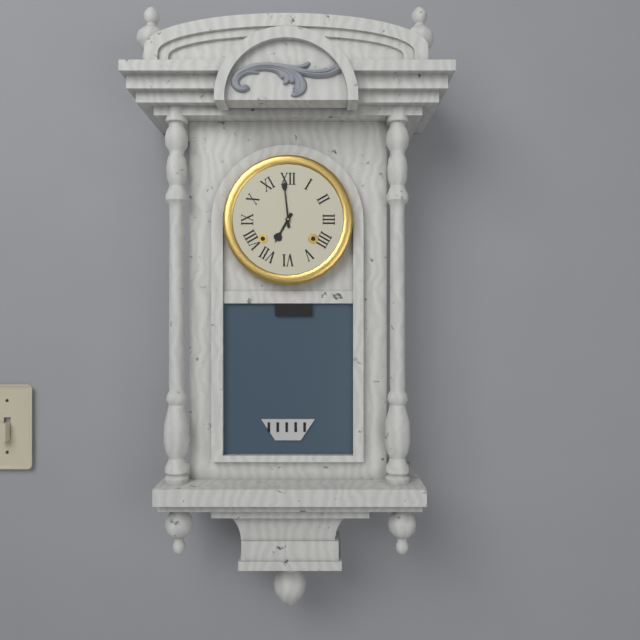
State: h=6 m=59
